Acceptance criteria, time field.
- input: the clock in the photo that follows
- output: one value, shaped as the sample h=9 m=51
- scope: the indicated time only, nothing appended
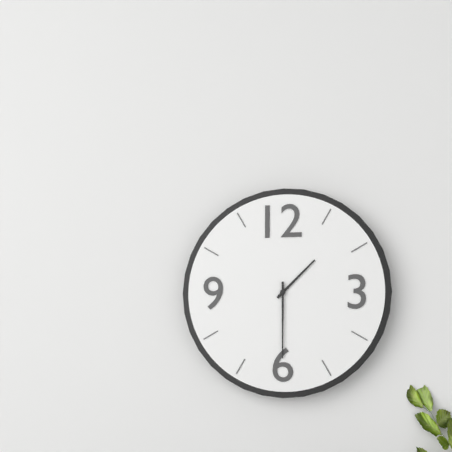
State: h=1 m=30
